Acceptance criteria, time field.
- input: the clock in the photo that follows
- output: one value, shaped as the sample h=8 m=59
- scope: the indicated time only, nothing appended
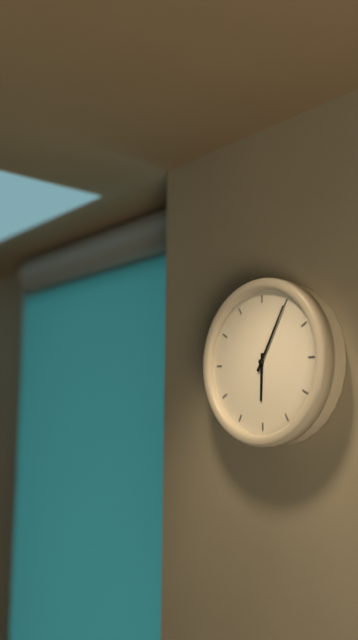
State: h=6 m=5
